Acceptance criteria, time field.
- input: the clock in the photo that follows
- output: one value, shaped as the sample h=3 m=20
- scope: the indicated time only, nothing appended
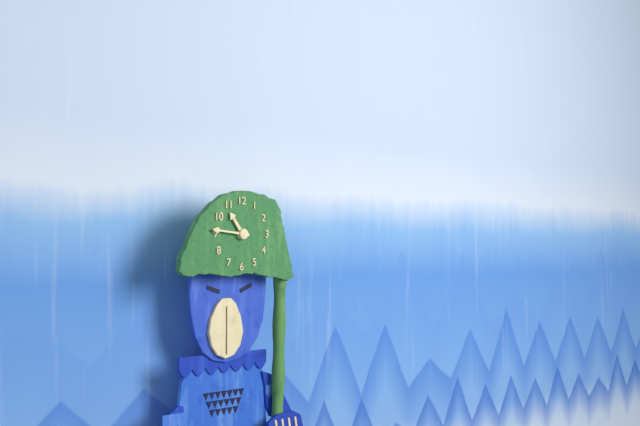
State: h=10 m=46
